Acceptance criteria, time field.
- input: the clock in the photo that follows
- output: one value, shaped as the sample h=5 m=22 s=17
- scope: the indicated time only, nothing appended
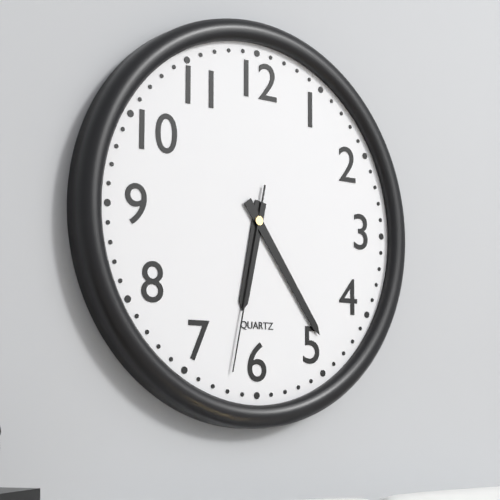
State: h=6 m=24 s=32
